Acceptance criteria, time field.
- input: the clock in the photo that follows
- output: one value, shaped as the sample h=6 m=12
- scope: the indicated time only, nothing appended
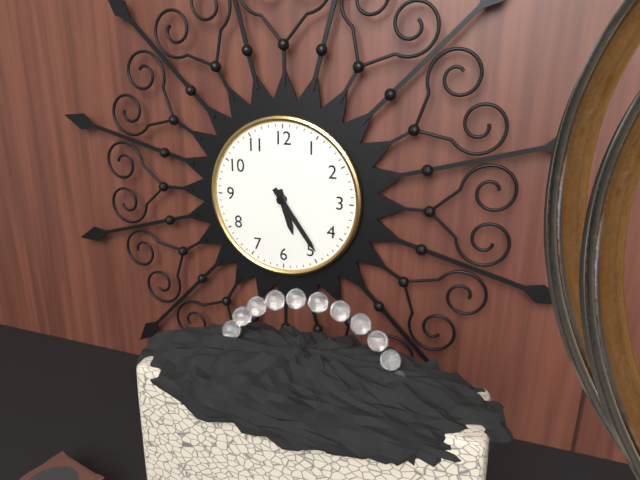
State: h=5 m=24
